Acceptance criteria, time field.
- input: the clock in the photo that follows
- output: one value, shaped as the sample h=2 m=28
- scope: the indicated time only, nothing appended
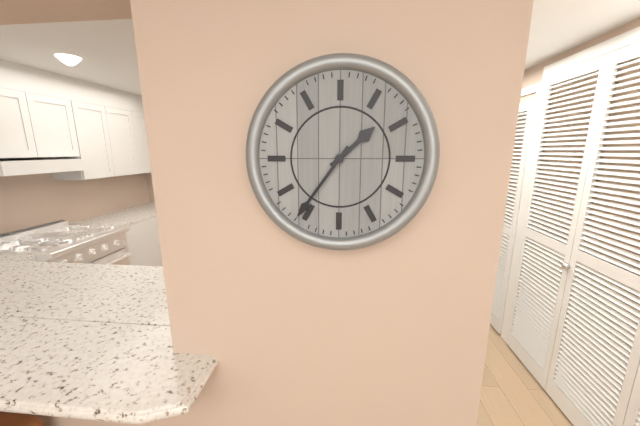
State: h=1 m=36
